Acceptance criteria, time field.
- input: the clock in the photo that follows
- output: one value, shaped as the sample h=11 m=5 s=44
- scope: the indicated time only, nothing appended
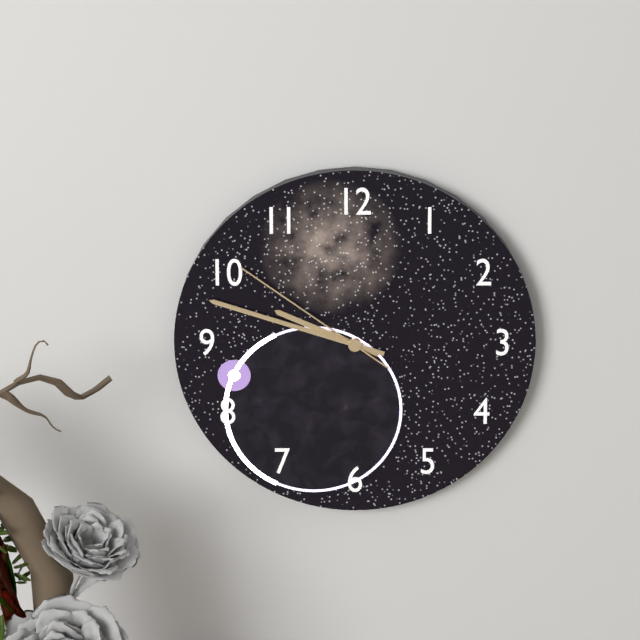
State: h=9 m=48 s=51
